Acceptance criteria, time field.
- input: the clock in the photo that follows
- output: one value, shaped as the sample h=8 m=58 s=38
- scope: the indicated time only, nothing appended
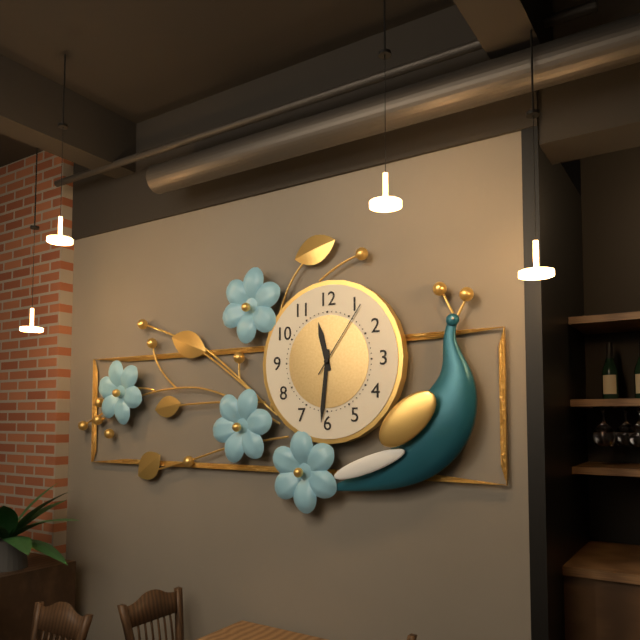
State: h=11 m=31 s=6
